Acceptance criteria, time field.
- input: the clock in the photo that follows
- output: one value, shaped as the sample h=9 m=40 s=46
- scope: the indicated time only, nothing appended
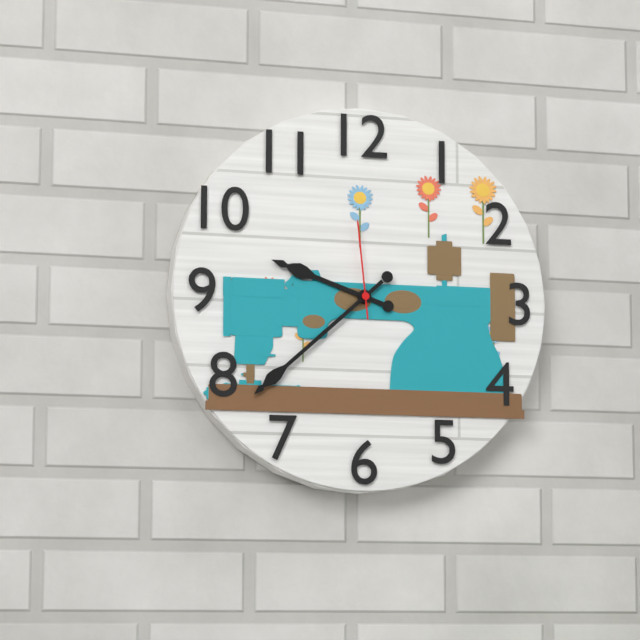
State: h=9 m=38 s=59
